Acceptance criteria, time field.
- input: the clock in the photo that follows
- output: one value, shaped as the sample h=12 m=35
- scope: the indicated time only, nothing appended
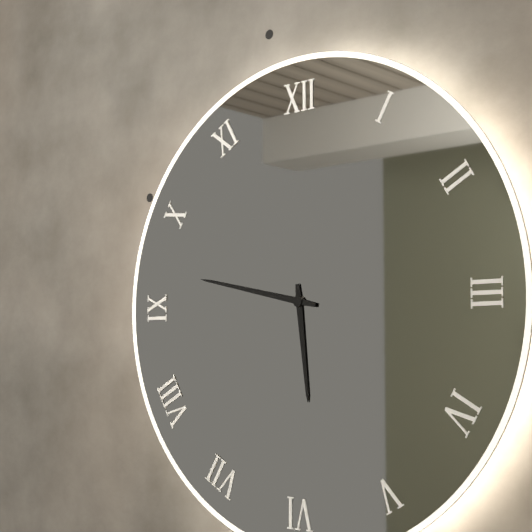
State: h=5 m=47
